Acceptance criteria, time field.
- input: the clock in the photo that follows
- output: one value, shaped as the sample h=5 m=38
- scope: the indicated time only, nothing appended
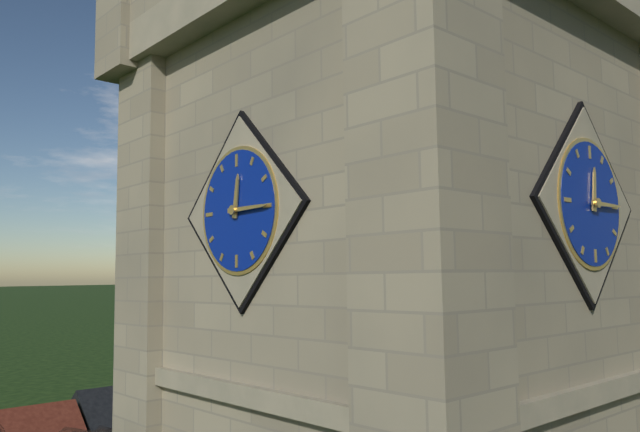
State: h=12 m=15
